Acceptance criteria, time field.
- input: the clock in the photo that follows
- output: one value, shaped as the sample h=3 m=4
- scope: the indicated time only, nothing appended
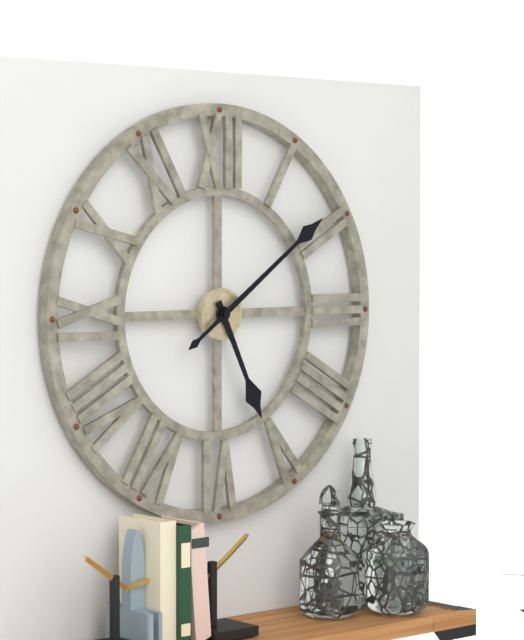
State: h=5 m=9
